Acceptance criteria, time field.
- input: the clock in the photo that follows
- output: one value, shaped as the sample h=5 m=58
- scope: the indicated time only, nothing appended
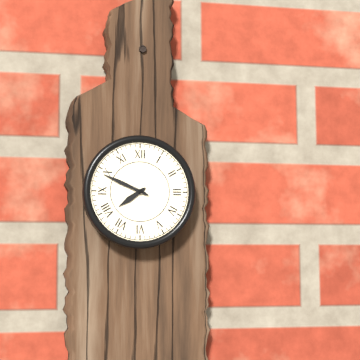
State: h=7 m=49
